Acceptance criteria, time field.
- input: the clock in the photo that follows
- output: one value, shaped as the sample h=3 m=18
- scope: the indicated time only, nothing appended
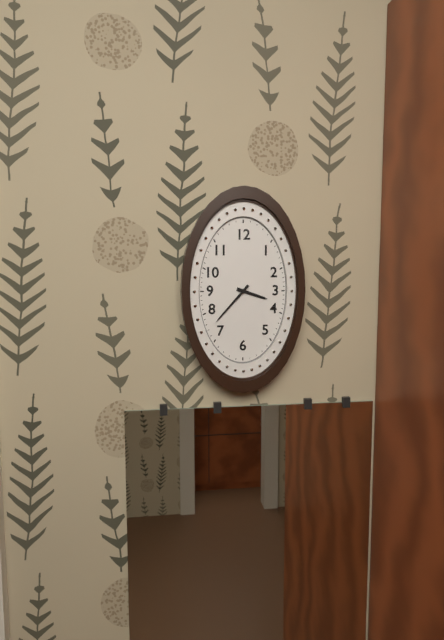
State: h=3 m=37
